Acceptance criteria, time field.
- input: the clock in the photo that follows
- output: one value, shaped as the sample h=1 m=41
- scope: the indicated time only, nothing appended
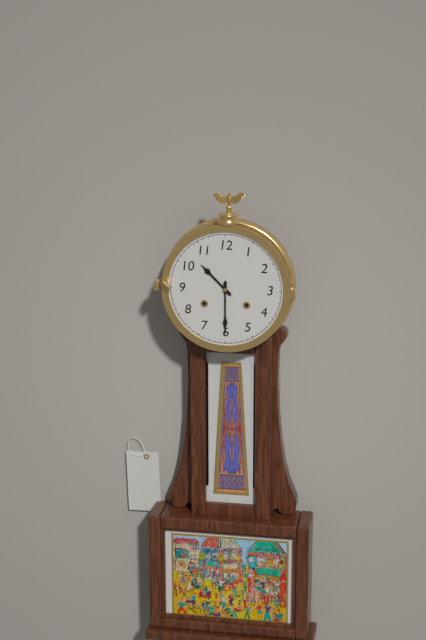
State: h=10 m=30
